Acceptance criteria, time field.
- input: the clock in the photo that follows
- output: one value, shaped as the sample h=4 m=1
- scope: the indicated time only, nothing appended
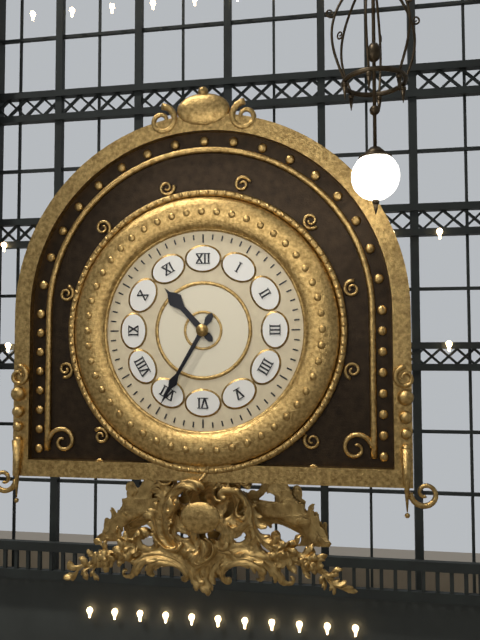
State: h=10 m=35
